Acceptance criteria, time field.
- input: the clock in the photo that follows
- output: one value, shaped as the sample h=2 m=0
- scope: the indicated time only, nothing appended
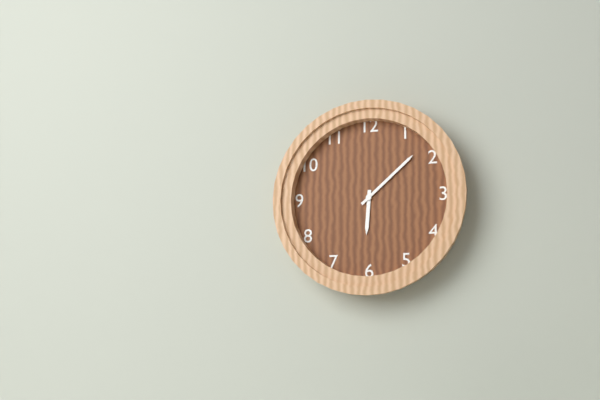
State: h=6 m=8
